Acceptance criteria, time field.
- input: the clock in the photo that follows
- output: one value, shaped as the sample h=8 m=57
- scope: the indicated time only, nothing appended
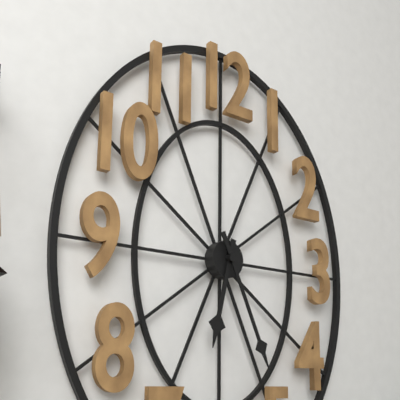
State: h=6 m=26
